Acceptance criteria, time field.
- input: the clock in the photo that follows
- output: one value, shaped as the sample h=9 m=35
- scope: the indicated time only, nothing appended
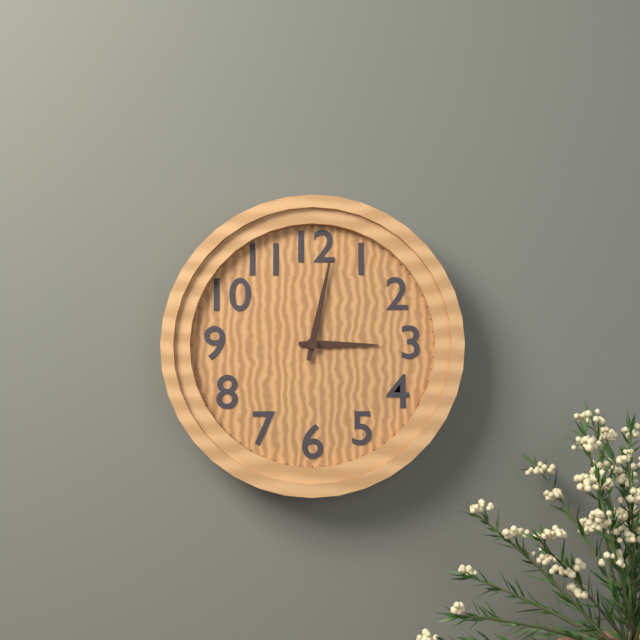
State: h=3 m=2
